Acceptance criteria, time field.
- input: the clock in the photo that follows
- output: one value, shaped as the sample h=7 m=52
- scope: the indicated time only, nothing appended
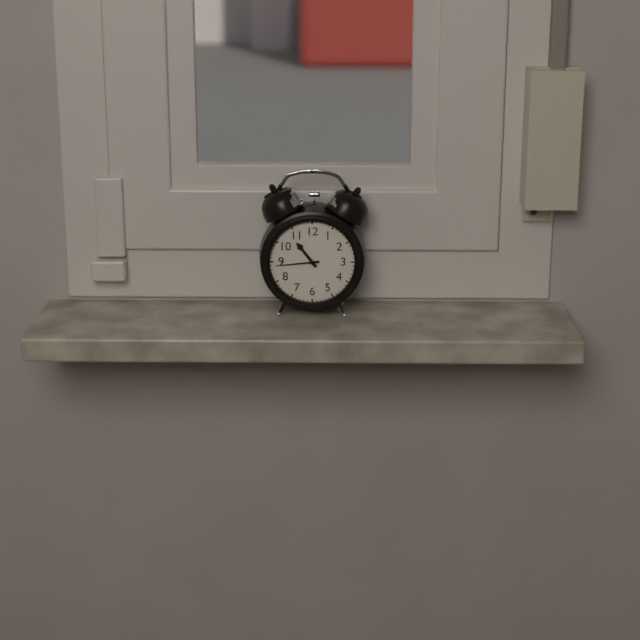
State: h=10 m=44
